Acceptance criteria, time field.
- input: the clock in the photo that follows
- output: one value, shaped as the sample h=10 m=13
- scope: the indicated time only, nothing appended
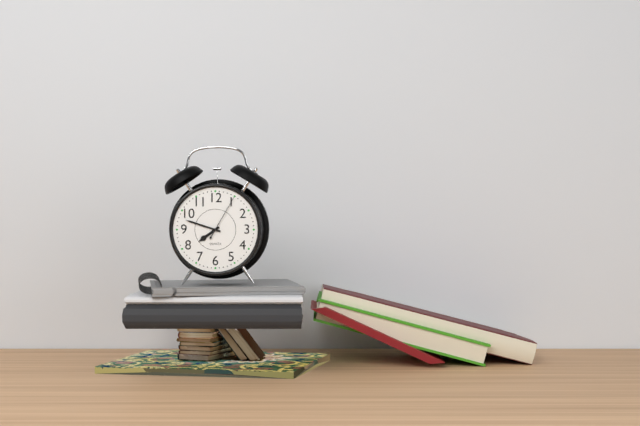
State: h=7 m=48
